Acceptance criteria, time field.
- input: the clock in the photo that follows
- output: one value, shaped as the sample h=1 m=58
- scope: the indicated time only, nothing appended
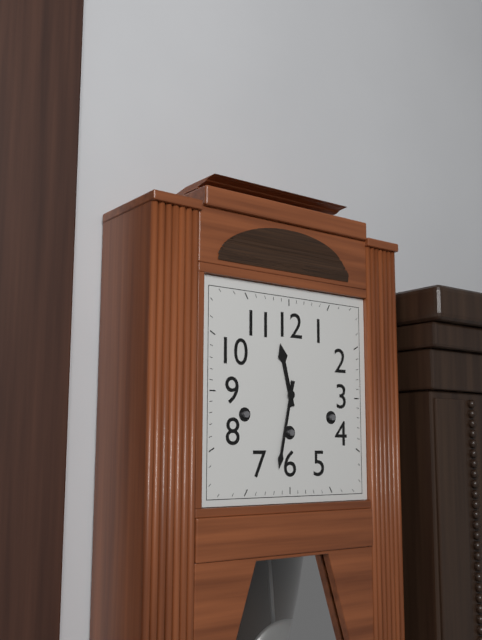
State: h=11 m=32
